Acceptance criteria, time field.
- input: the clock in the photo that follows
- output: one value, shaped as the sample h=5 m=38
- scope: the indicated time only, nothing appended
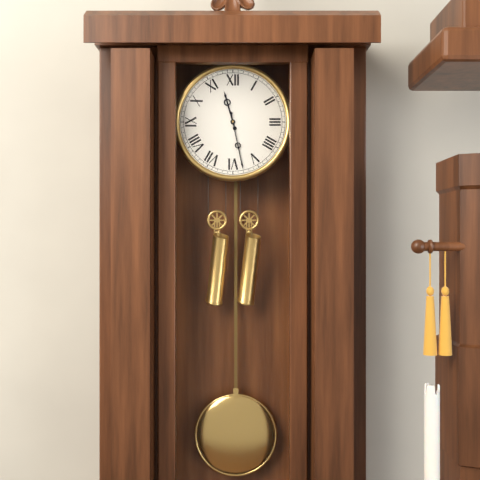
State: h=11 m=28
